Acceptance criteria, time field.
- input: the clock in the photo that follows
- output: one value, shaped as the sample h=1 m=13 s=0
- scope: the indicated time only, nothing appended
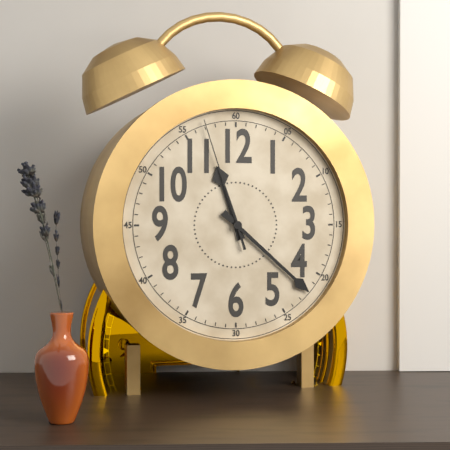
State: h=11 m=22 s=57
